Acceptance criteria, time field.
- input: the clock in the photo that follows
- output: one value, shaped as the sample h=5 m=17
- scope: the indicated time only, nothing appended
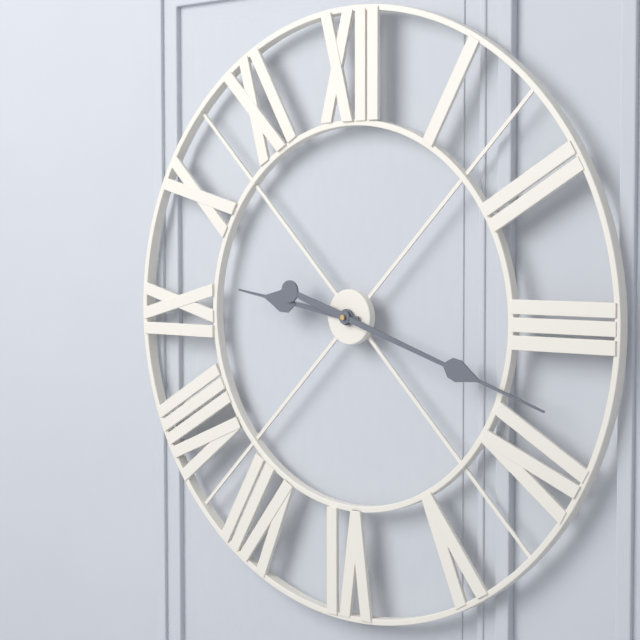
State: h=9 m=18
